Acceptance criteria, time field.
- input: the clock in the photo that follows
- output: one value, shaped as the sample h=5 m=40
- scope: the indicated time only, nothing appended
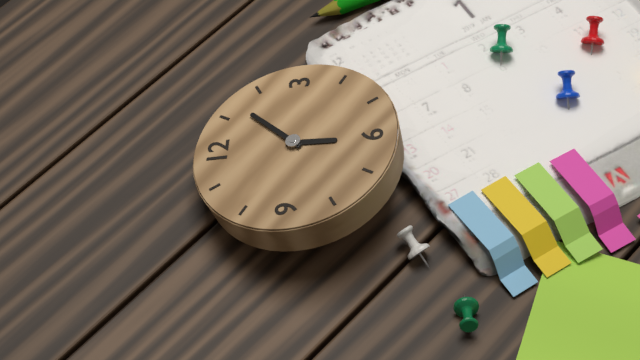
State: h=6 m=7
